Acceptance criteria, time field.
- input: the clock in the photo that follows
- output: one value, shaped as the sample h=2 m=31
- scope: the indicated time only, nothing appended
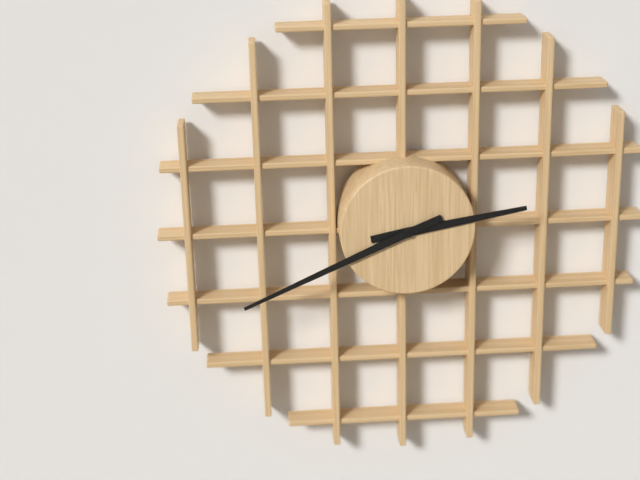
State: h=2 m=41
